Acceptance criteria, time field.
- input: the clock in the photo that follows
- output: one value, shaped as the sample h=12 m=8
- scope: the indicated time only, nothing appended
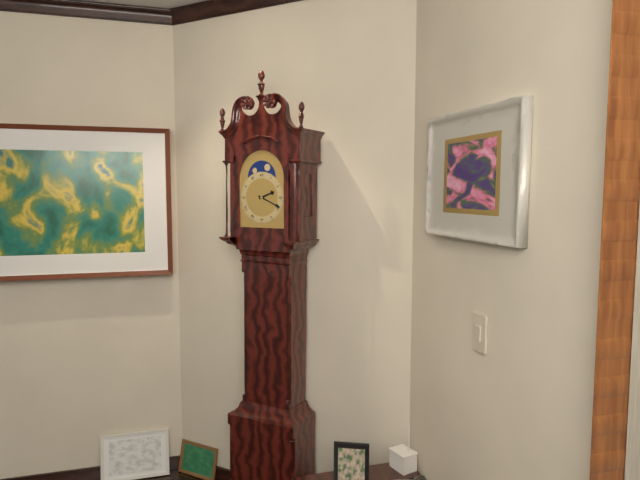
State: h=2 m=19
